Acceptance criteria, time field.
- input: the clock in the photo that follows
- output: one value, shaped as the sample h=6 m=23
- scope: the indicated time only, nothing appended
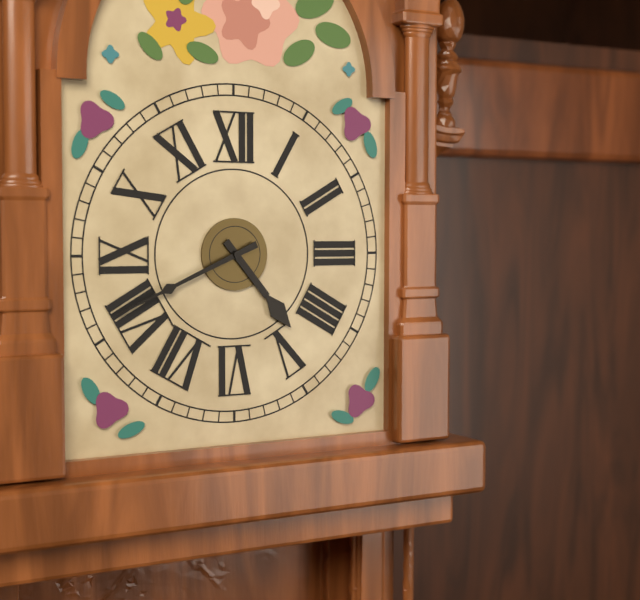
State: h=4 m=41
